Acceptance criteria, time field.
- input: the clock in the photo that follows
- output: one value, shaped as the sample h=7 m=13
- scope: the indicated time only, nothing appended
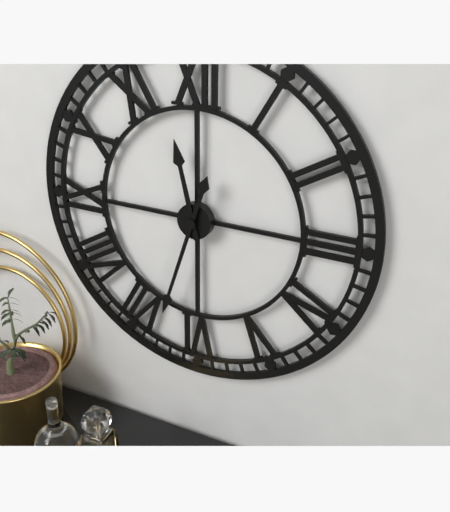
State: h=11 m=33
